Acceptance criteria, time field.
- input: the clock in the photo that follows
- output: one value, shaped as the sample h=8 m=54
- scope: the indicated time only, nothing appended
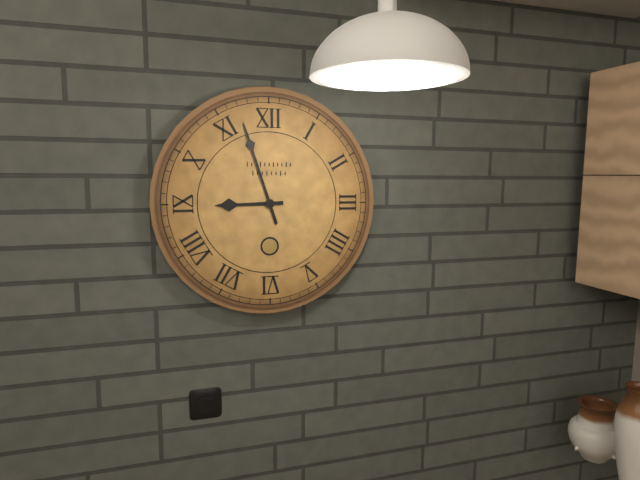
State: h=8 m=57
